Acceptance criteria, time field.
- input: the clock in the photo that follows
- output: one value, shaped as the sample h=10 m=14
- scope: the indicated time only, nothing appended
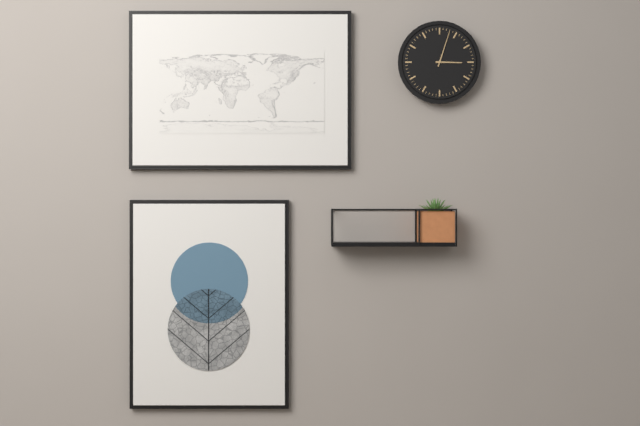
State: h=3 m=3
